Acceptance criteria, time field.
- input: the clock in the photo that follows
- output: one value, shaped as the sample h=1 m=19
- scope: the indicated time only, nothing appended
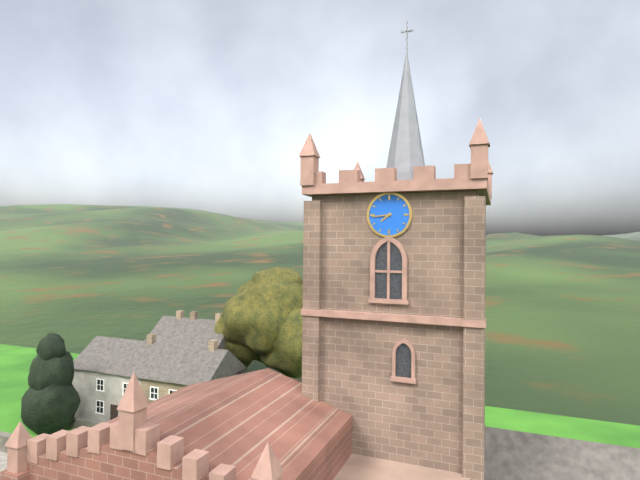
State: h=7 m=44
